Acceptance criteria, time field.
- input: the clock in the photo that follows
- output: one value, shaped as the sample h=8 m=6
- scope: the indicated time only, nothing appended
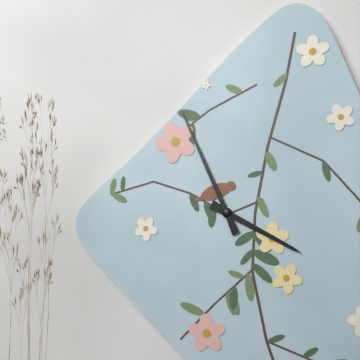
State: h=3 m=56
